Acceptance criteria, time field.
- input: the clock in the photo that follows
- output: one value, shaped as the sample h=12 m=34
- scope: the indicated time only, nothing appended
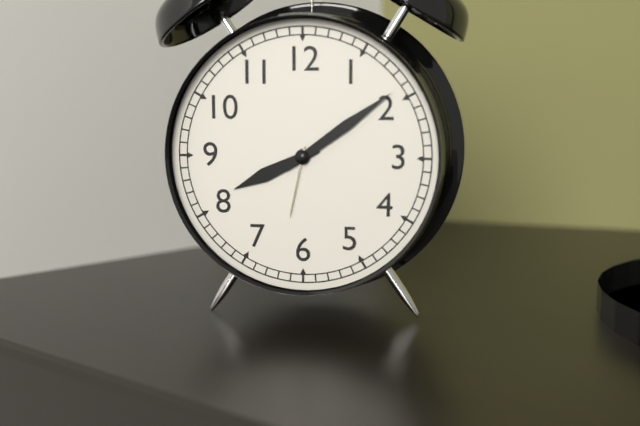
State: h=8 m=9
